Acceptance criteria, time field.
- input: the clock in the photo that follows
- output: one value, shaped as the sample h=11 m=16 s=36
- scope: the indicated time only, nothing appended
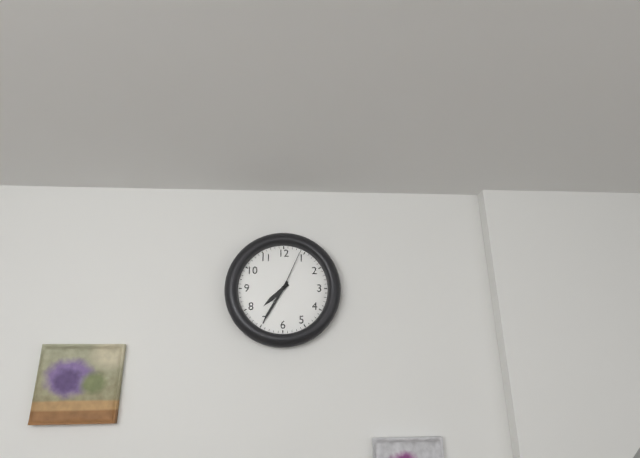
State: h=7 m=35 s=4
